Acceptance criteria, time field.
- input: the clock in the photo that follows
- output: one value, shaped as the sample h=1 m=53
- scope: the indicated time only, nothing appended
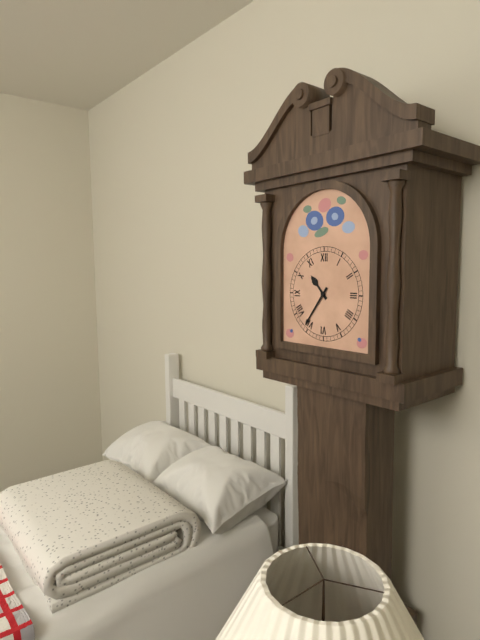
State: h=10 m=36
